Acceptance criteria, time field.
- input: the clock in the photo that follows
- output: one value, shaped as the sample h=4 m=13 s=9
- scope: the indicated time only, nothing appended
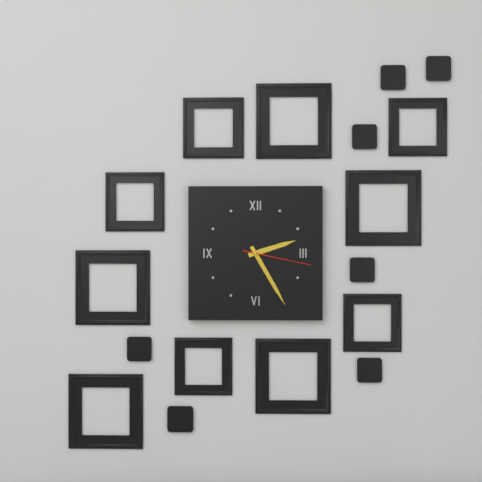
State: h=2 m=25 s=17
